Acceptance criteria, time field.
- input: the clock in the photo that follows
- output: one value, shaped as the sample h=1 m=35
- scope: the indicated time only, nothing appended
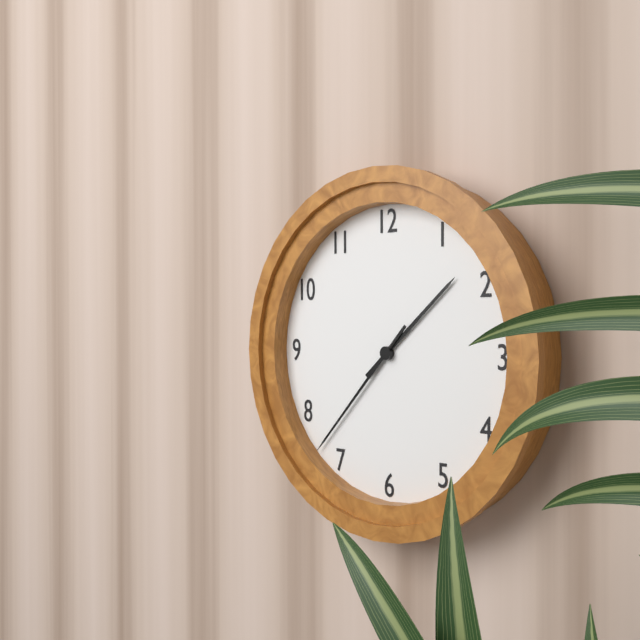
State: h=1 m=37
